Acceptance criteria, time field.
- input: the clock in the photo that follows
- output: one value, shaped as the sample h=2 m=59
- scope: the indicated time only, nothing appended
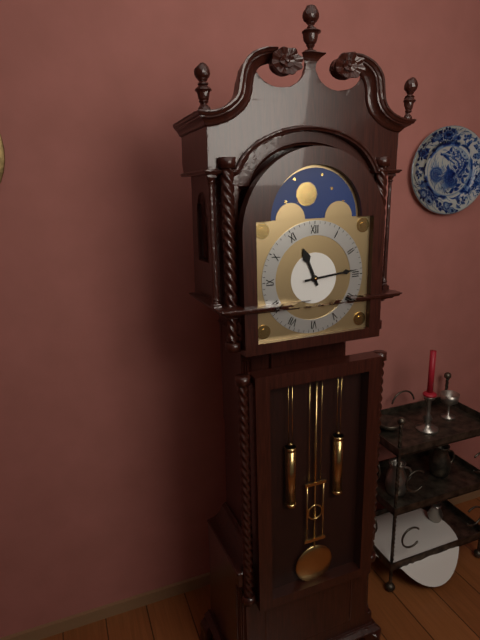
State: h=11 m=14
